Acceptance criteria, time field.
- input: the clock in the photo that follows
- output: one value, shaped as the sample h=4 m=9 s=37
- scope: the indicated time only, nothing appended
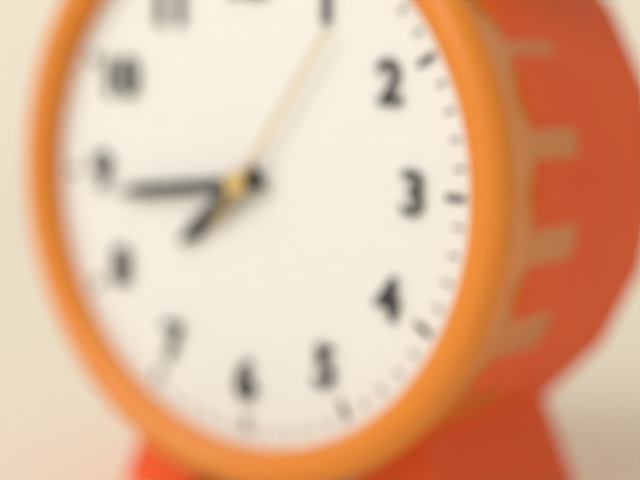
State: h=7 m=44 s=6
